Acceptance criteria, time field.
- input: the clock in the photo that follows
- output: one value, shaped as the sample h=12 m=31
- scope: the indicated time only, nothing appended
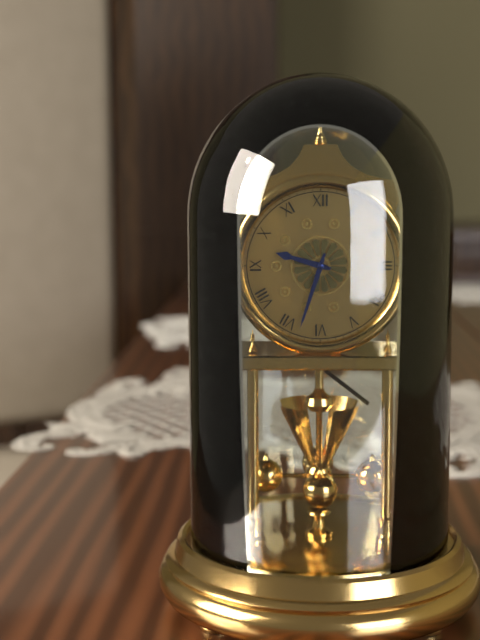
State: h=9 m=33
